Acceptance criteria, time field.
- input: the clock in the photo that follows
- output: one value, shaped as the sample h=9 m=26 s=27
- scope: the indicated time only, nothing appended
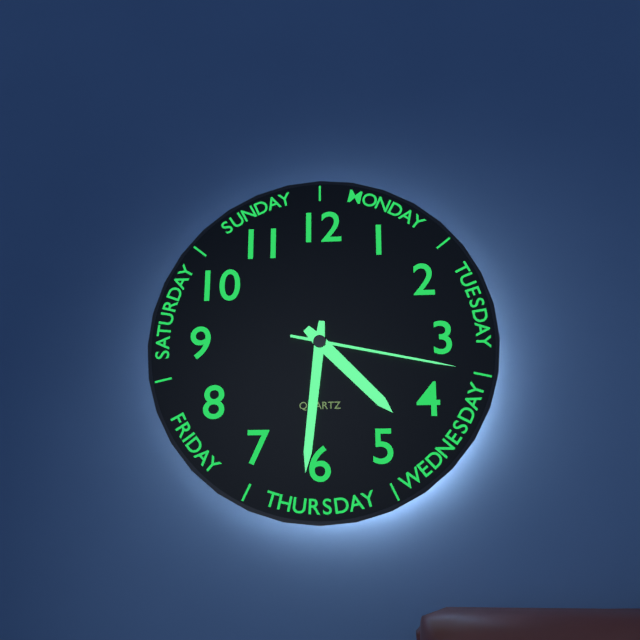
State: h=4 m=31 s=17
